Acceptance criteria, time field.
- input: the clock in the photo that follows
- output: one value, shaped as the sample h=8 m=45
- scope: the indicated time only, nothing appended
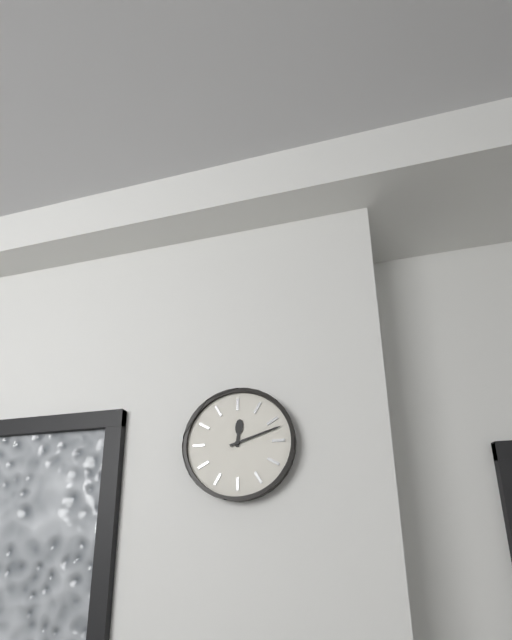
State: h=12 m=12
